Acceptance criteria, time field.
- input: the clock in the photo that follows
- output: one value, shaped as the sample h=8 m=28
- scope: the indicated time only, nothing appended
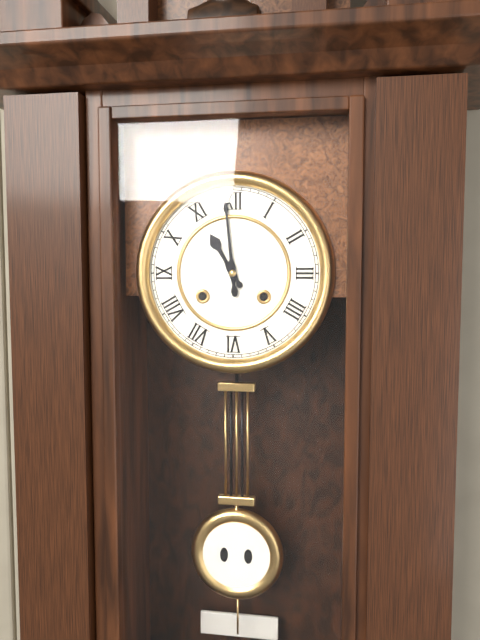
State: h=10 m=59
